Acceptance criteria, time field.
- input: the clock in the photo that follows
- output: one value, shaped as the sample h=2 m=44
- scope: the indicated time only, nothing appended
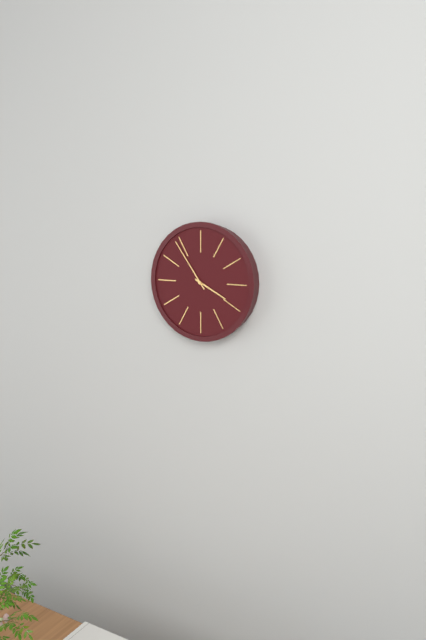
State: h=3 m=54
